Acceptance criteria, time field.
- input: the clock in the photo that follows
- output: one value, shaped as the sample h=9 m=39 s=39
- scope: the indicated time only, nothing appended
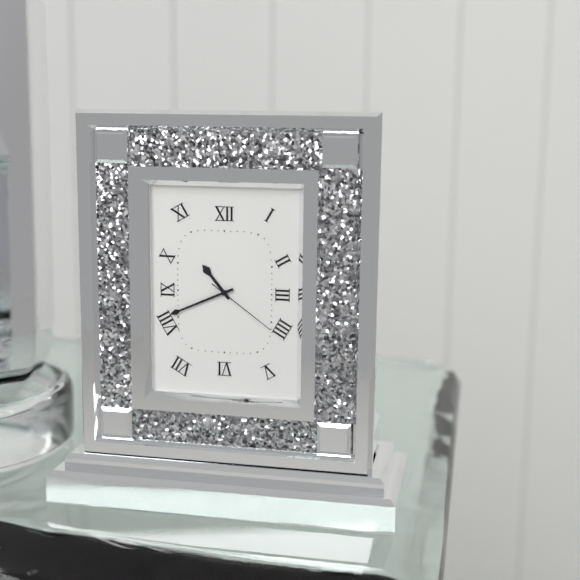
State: h=10 m=41 s=21
